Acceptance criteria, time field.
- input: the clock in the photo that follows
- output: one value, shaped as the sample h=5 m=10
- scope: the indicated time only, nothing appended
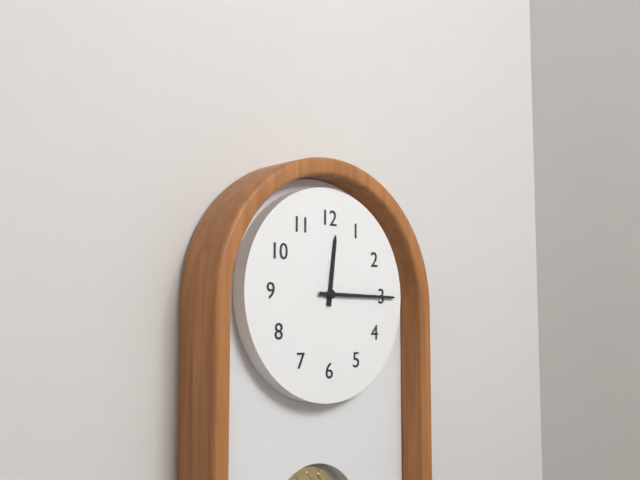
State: h=12 m=15
